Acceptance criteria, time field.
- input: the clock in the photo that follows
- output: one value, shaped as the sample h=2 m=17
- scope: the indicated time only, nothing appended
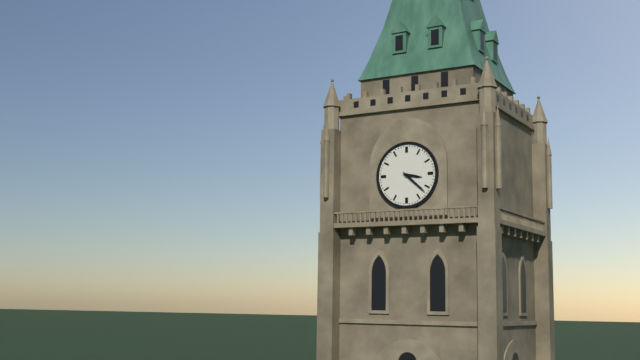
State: h=3 m=22
